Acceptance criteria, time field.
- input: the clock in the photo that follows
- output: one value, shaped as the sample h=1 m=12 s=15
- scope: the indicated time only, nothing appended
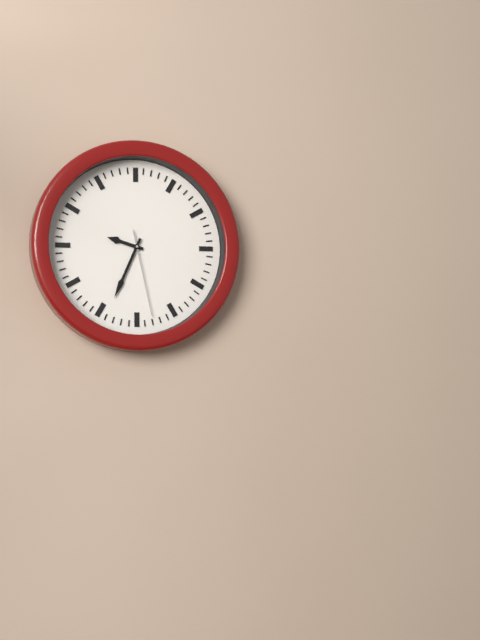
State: h=9 m=34 s=28
